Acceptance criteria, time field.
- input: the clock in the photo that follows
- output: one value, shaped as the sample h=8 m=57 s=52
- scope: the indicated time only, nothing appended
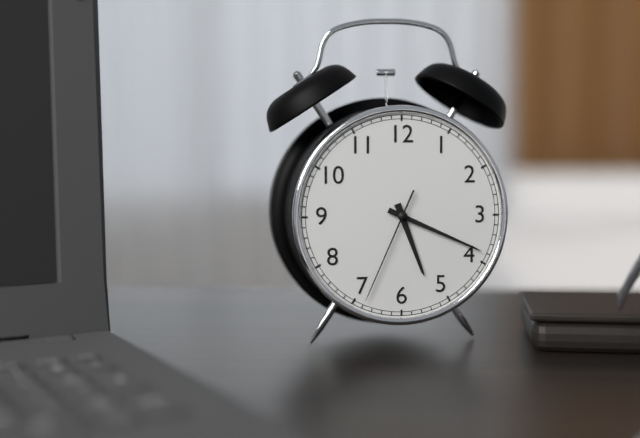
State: h=5 m=19 s=34
